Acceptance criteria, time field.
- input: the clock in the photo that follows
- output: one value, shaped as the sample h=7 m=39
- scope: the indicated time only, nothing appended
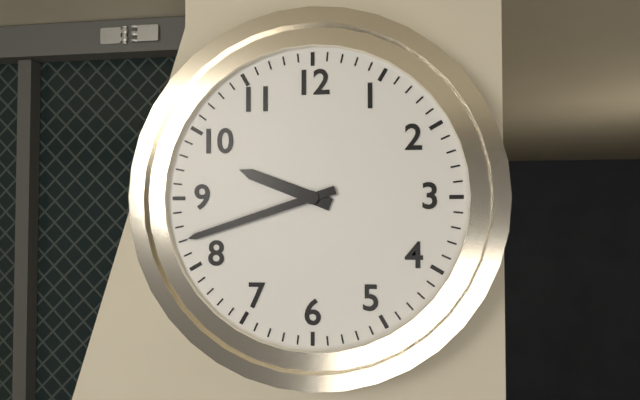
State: h=9 m=42
